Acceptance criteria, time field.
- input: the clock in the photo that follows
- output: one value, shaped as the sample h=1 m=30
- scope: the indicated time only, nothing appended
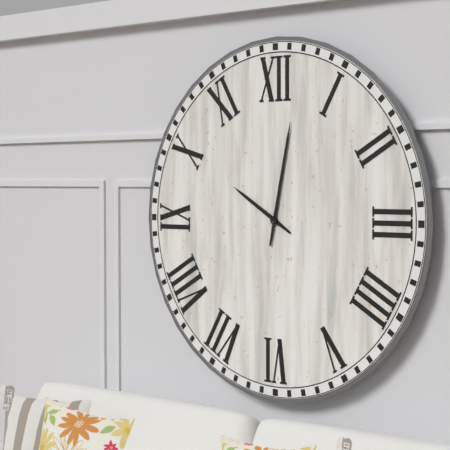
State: h=10 m=2
